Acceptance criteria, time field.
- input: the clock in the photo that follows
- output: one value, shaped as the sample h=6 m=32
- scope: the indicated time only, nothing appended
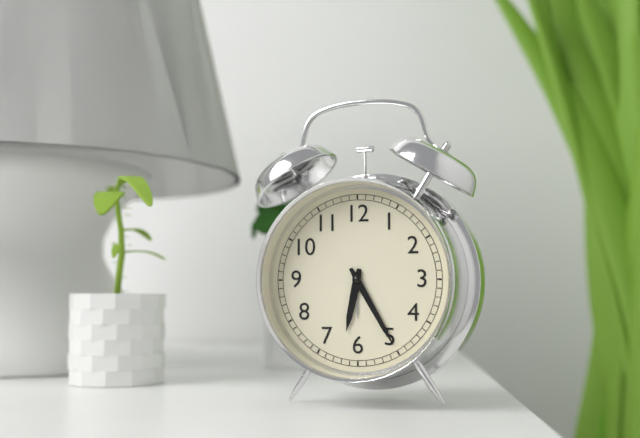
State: h=6 m=25
